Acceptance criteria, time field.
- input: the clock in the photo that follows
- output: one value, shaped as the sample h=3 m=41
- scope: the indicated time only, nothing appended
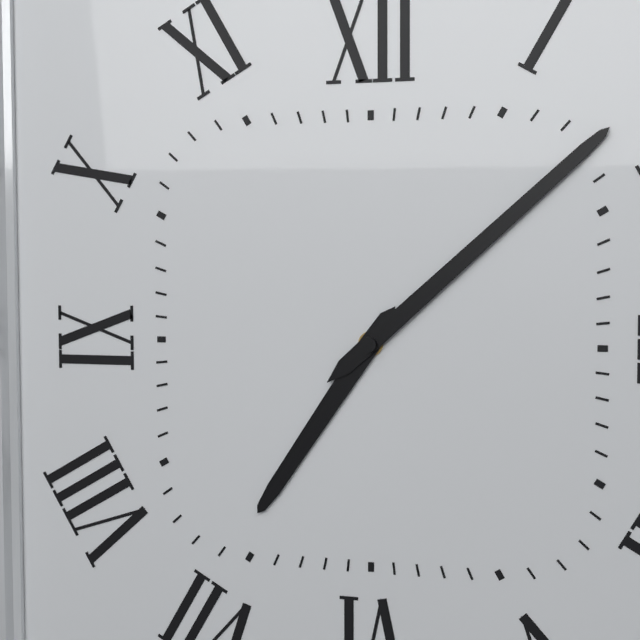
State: h=7 m=8
